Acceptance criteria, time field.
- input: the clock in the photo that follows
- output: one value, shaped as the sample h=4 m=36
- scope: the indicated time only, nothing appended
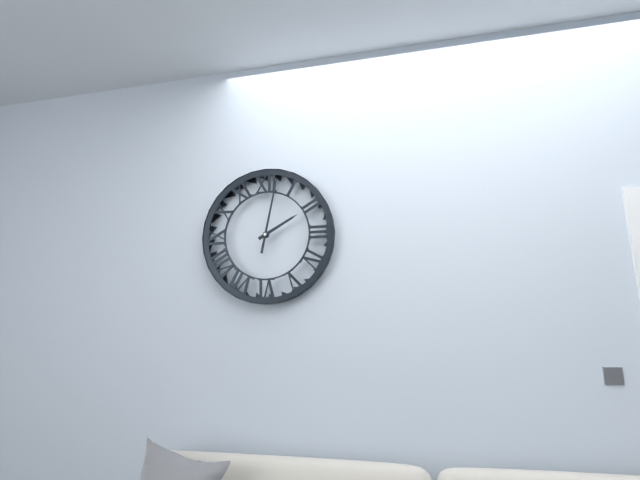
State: h=2 m=2
